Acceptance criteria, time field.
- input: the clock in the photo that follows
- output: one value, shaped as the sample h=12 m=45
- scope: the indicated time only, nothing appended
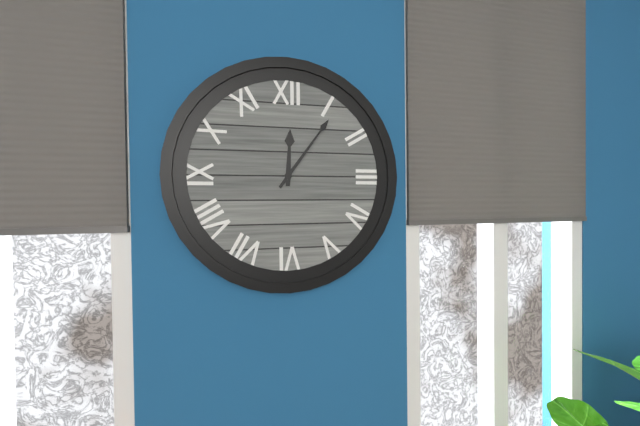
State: h=12 m=6
